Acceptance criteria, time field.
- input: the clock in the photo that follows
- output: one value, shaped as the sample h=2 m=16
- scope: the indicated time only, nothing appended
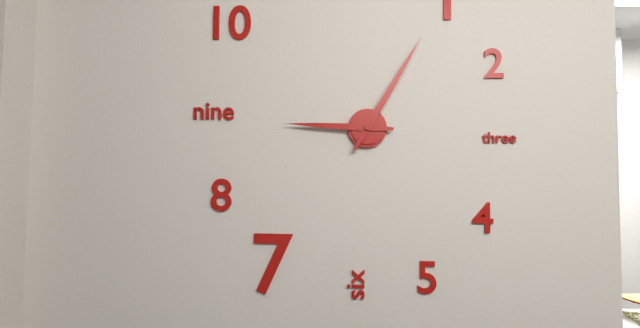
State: h=9 m=5
